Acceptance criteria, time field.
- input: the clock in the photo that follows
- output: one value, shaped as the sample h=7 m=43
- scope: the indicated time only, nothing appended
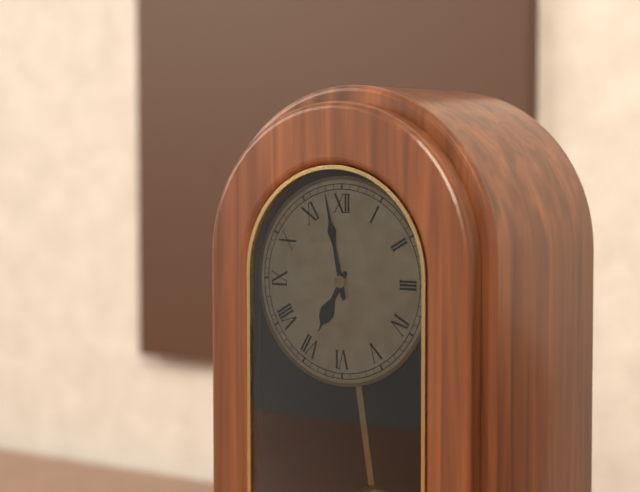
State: h=6 m=58
